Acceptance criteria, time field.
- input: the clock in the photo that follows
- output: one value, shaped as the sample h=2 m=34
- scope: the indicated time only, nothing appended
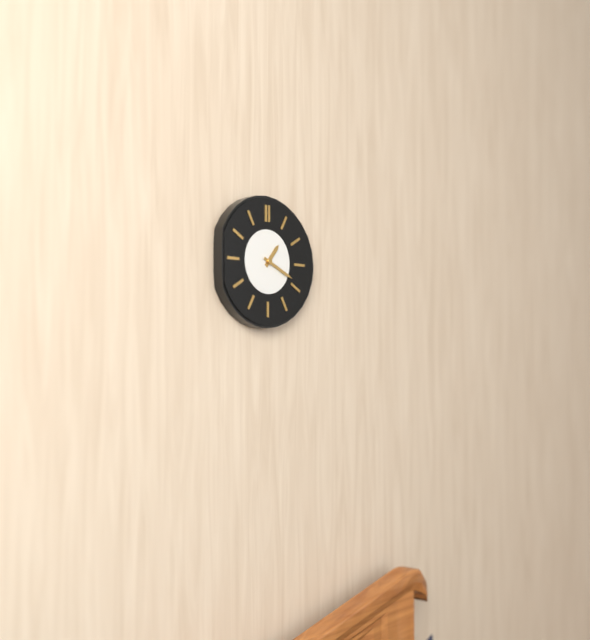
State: h=1 m=19
